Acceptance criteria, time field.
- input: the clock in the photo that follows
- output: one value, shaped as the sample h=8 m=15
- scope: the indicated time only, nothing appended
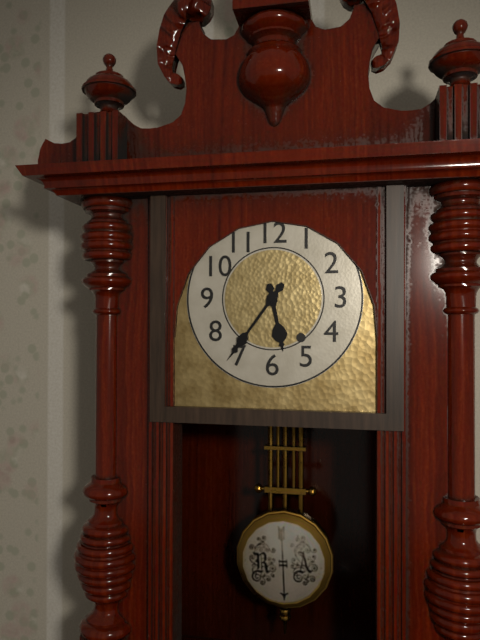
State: h=5 m=36
